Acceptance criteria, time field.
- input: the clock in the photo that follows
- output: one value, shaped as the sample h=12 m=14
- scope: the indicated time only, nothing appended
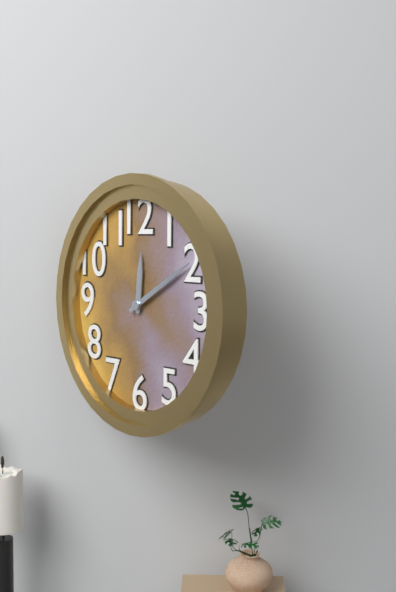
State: h=12 m=10
